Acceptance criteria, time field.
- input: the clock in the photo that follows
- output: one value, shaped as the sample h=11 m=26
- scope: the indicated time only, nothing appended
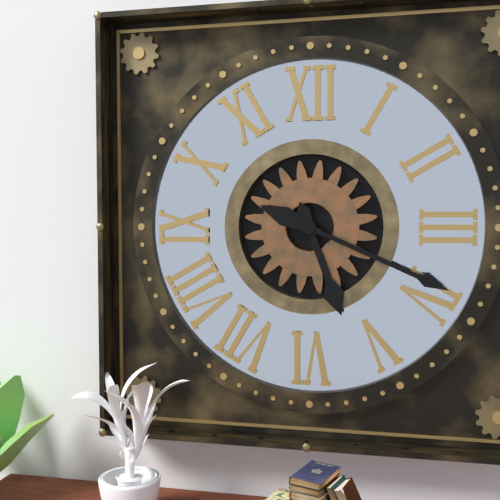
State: h=5 m=19
